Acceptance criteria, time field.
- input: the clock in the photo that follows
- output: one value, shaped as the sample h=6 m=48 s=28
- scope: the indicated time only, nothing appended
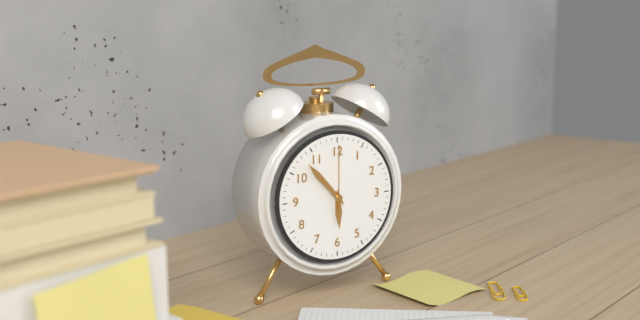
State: h=5 m=53 s=0
